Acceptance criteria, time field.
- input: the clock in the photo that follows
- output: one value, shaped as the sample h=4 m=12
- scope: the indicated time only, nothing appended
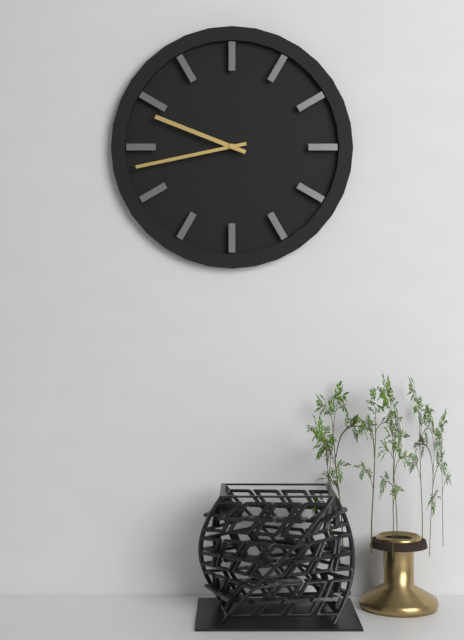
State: h=9 m=43
